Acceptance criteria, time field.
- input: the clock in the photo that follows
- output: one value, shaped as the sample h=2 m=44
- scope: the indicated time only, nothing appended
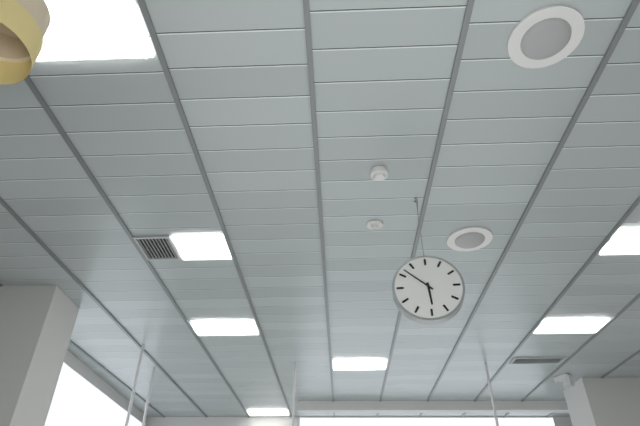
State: h=5 m=52
